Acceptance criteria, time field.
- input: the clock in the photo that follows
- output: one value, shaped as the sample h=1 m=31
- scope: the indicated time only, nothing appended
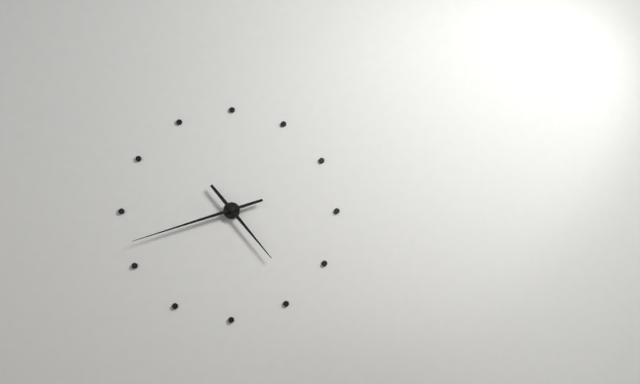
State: h=4 m=42
